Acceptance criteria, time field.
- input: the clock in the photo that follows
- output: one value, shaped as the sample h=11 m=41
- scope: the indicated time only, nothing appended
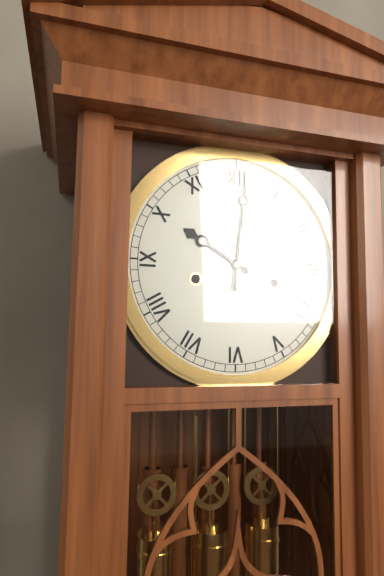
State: h=10 m=1
